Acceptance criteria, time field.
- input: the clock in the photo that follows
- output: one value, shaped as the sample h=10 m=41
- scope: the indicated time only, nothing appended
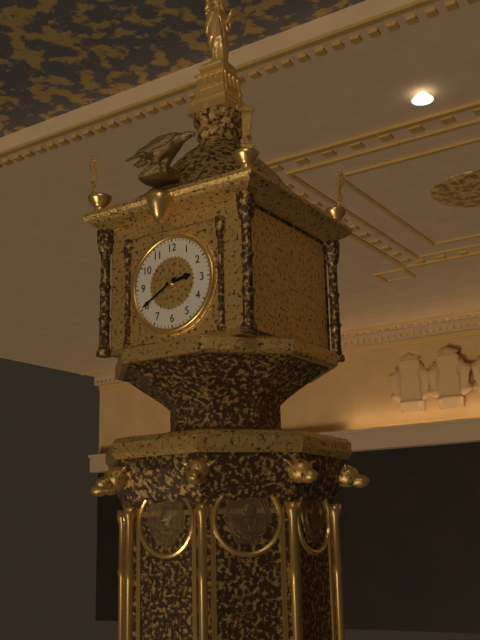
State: h=2 m=40
